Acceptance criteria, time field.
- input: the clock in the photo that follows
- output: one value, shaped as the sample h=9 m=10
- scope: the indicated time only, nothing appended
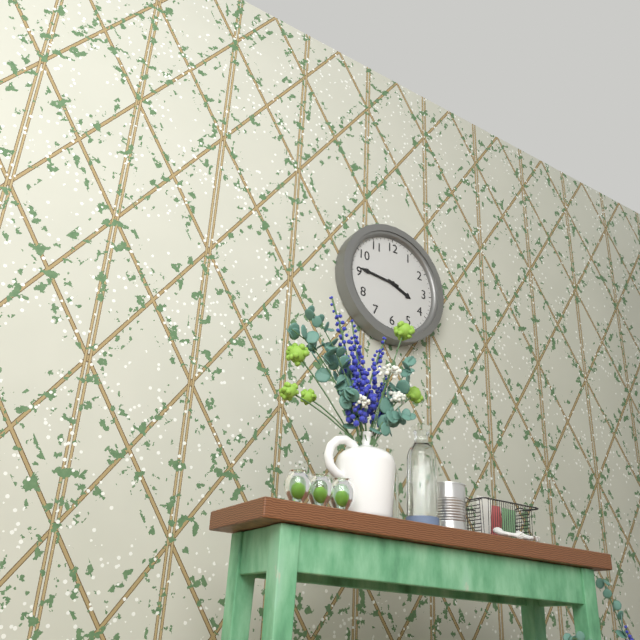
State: h=3 m=46
